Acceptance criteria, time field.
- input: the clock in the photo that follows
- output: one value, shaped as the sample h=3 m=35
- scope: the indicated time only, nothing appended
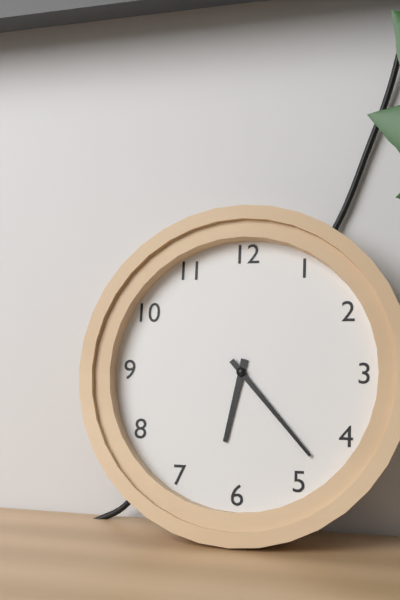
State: h=6 m=23
